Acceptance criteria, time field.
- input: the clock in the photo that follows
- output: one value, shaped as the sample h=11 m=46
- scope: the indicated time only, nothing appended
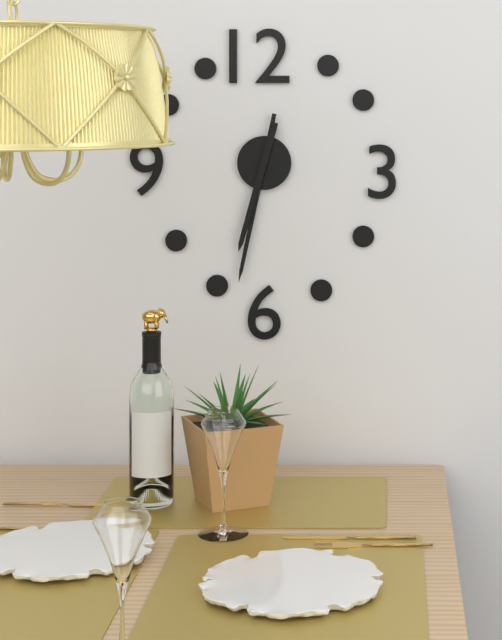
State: h=6 m=32
